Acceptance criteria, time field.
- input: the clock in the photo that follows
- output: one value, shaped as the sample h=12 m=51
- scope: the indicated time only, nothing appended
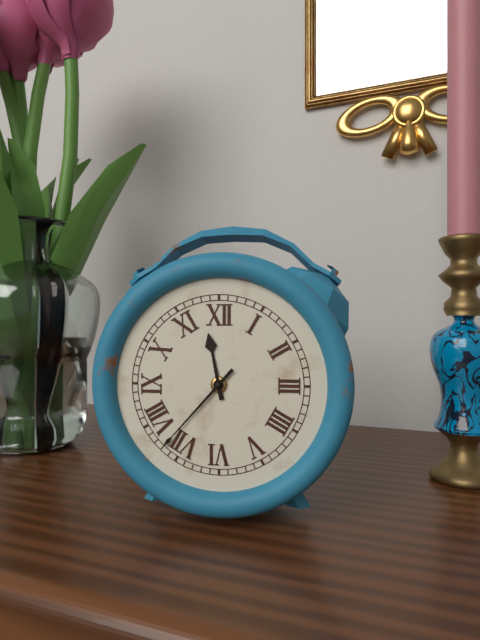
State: h=11 m=37
